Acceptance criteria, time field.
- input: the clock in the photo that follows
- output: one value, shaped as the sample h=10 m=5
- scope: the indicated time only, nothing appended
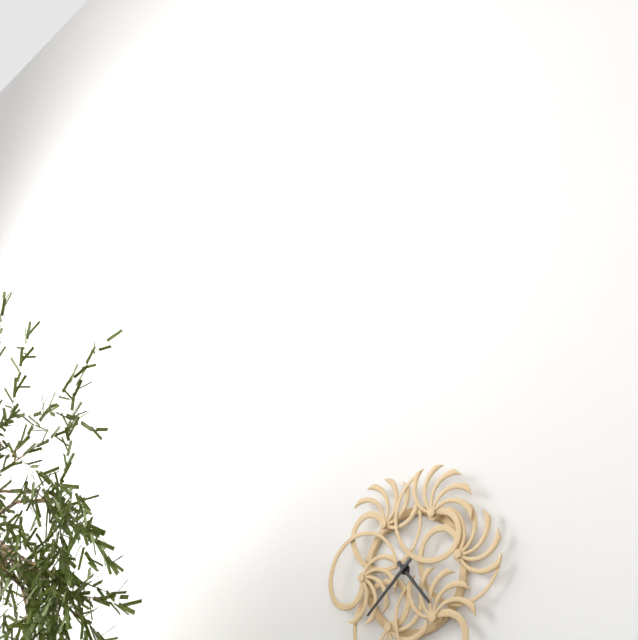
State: h=4 m=38
